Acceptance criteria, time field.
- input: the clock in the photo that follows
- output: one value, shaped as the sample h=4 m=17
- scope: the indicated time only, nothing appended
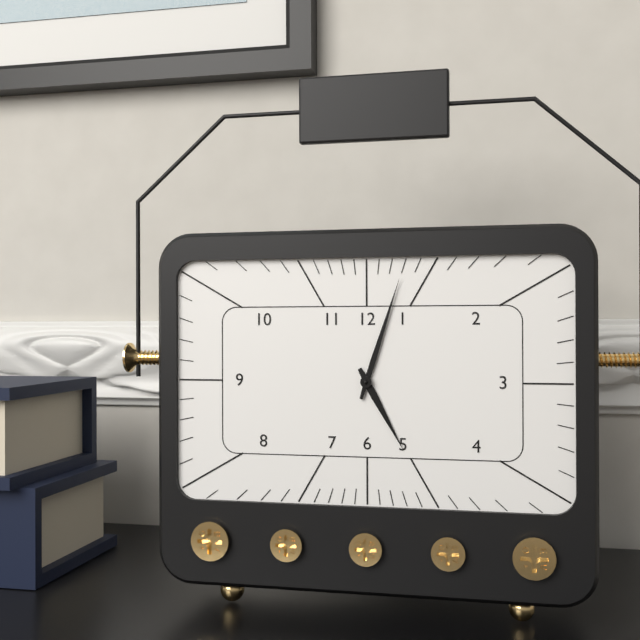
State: h=5 m=3
